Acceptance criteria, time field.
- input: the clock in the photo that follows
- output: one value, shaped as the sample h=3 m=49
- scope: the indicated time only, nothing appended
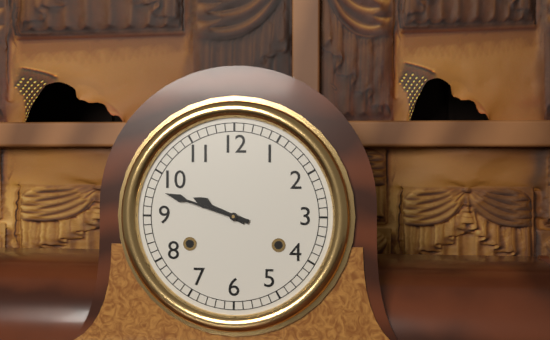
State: h=9 m=48
